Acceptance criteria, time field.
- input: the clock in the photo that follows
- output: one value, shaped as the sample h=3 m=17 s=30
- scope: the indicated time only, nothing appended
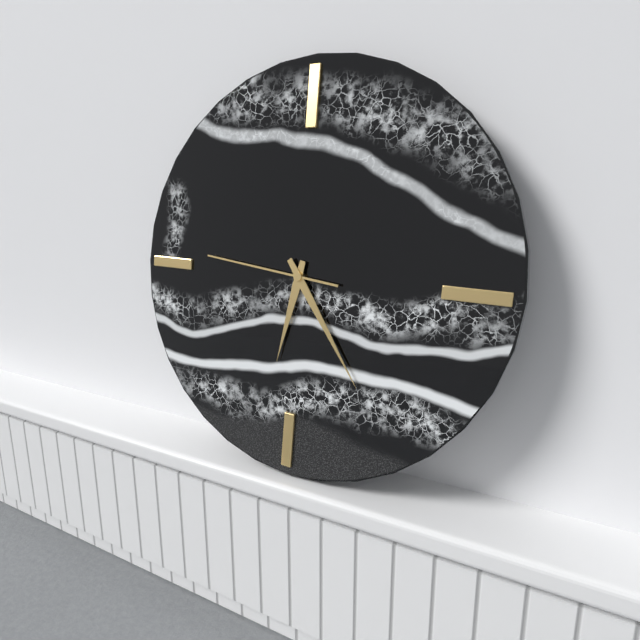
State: h=6 m=24 s=46
